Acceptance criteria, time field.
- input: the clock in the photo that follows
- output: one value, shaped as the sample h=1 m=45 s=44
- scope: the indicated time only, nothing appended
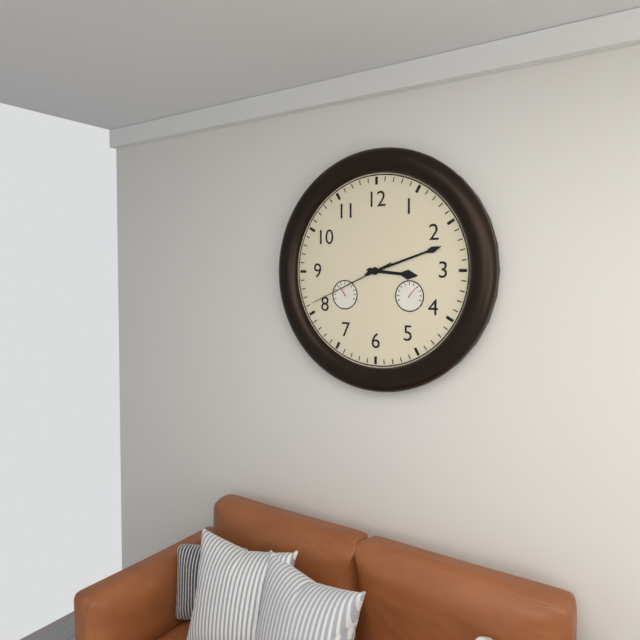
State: h=3 m=12 s=41
